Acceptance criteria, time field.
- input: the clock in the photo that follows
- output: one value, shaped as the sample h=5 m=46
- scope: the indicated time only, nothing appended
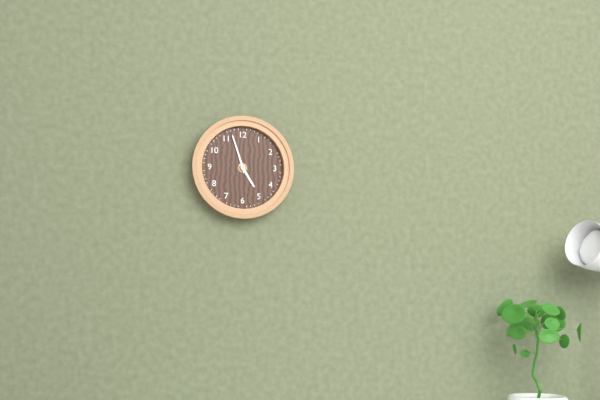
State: h=4 m=57
